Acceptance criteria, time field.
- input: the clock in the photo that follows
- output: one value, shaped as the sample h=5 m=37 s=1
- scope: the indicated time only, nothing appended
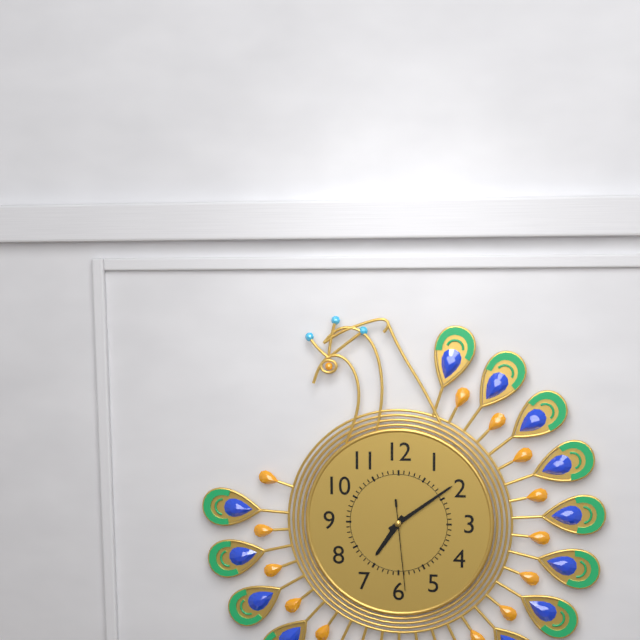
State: h=7 m=9 s=29
